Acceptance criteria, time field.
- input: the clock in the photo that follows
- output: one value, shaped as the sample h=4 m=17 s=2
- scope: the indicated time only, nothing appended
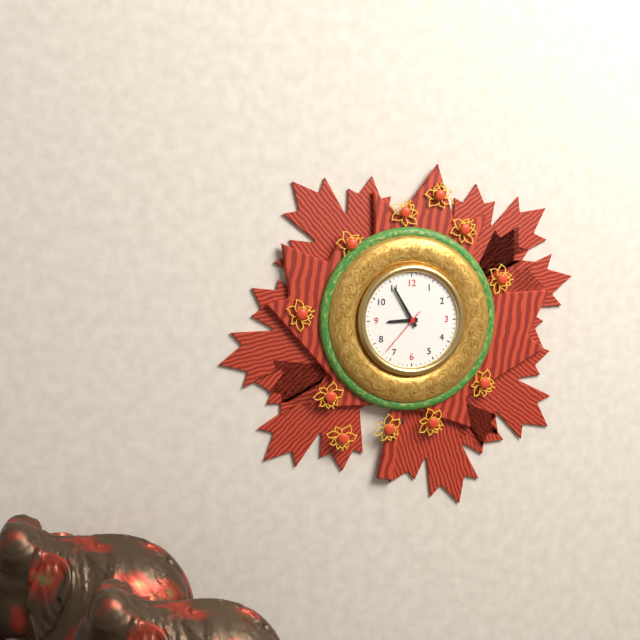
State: h=8 m=55 s=37
